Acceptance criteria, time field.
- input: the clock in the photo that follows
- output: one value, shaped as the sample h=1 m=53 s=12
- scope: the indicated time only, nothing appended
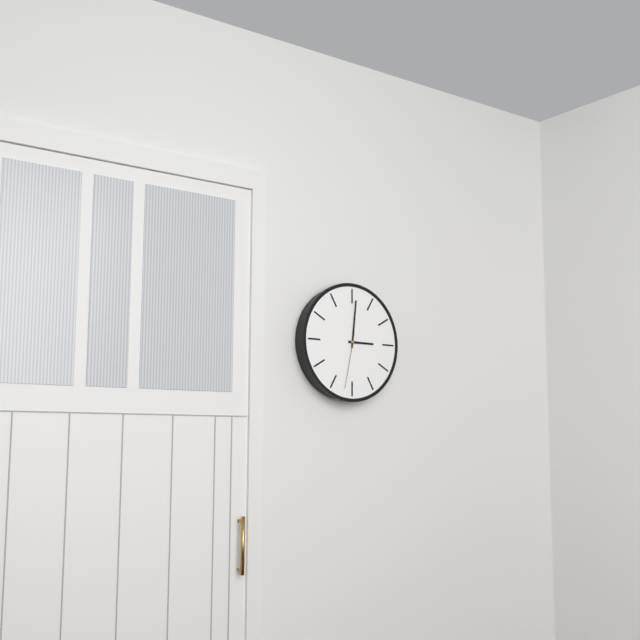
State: h=3 m=1 s=32
